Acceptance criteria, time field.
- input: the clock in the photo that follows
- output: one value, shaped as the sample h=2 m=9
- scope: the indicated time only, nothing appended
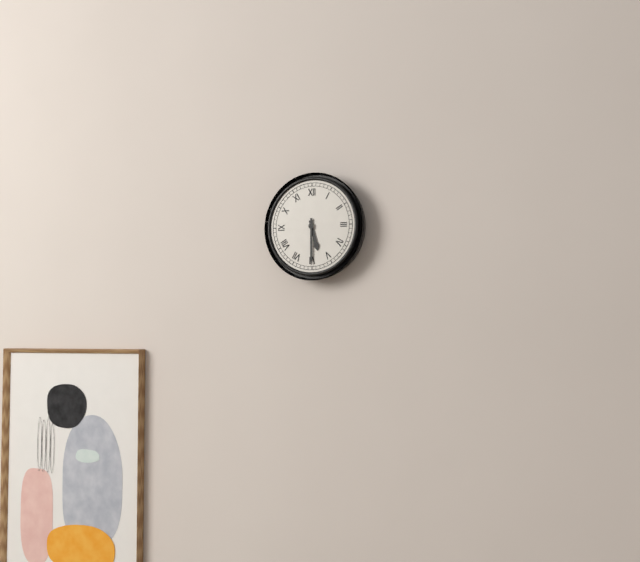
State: h=5 m=30
